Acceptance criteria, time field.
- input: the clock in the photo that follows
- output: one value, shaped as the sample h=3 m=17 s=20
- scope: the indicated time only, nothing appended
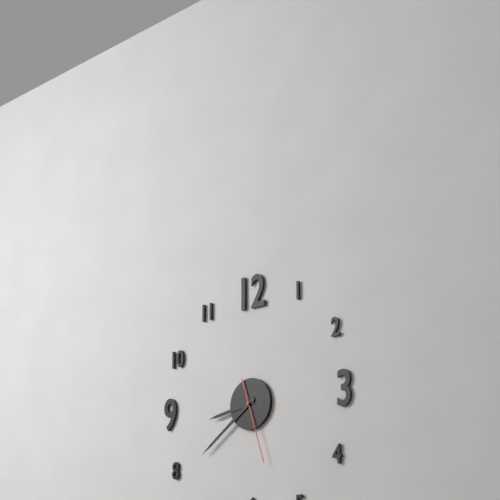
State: h=8 m=39 s=27
